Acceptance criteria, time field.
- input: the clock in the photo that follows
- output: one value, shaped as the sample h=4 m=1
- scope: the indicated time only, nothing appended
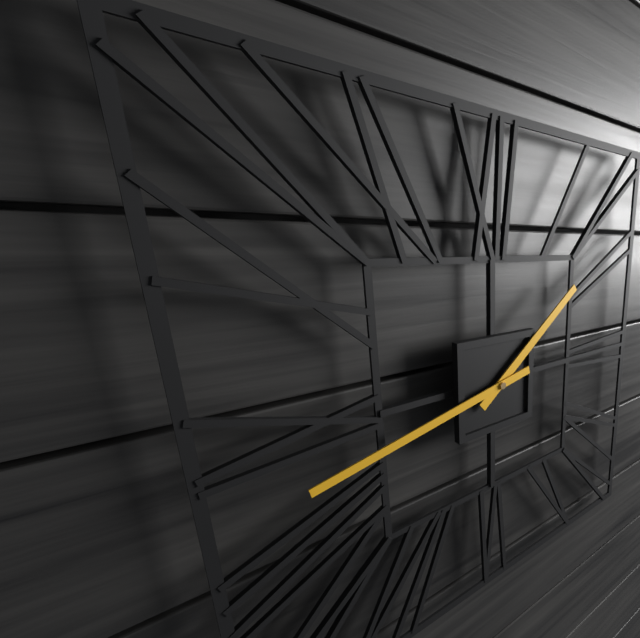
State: h=1 m=43
